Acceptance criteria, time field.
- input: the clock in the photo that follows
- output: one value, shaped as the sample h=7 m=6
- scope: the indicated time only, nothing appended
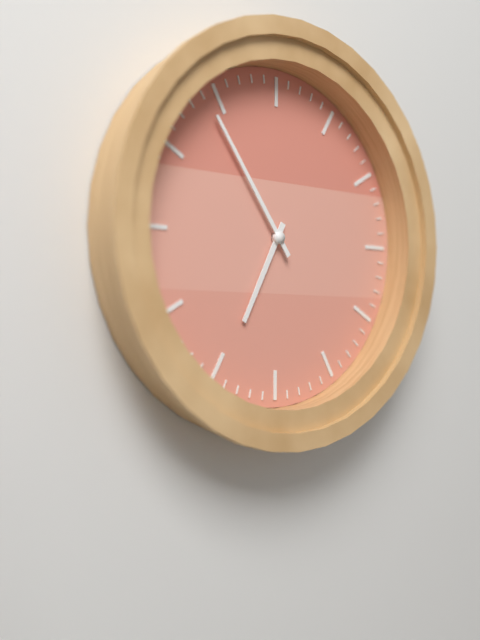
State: h=6 m=54
